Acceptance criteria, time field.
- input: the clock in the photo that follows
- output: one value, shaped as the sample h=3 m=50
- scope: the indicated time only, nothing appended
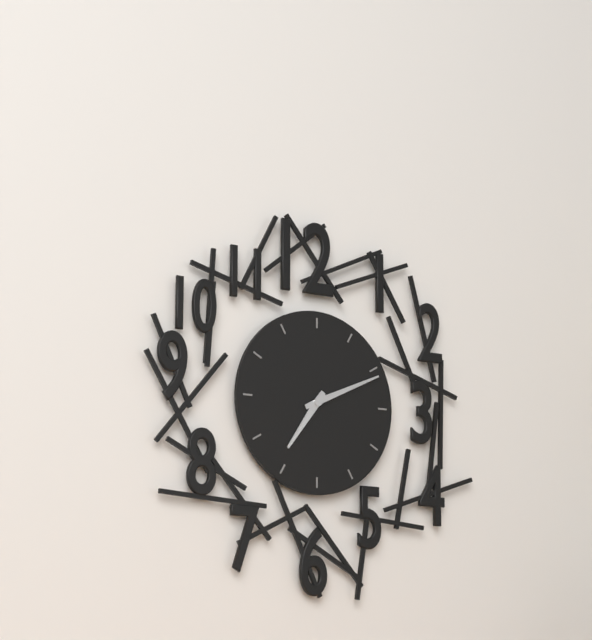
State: h=7 m=11
